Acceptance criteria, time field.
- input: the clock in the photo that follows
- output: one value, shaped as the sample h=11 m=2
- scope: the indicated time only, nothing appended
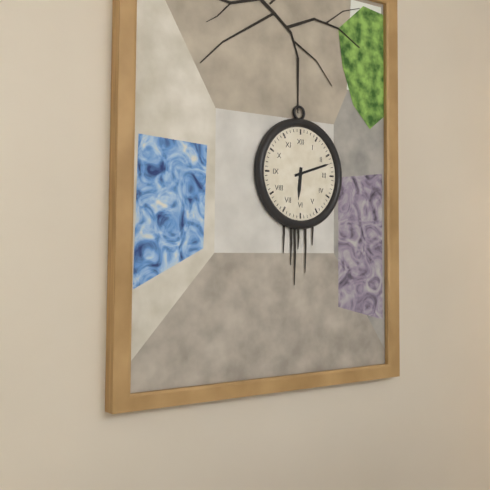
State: h=6 m=12
